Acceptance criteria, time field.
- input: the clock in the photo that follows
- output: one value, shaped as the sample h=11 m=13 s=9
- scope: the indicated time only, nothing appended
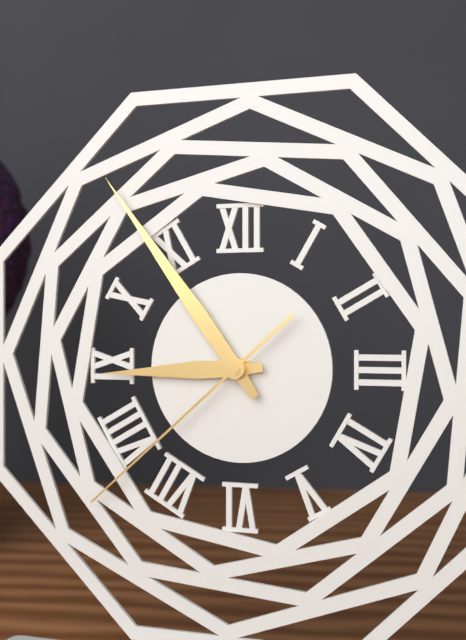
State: h=8 m=54 s=38
